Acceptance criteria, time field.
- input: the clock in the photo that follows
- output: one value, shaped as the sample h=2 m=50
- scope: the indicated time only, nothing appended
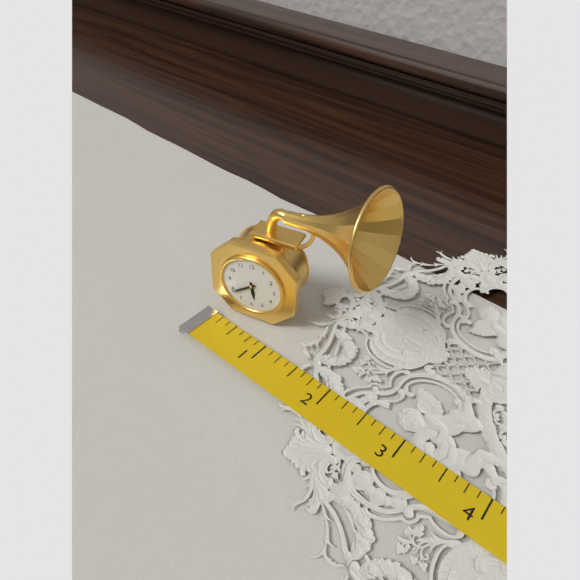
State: h=5 m=39
